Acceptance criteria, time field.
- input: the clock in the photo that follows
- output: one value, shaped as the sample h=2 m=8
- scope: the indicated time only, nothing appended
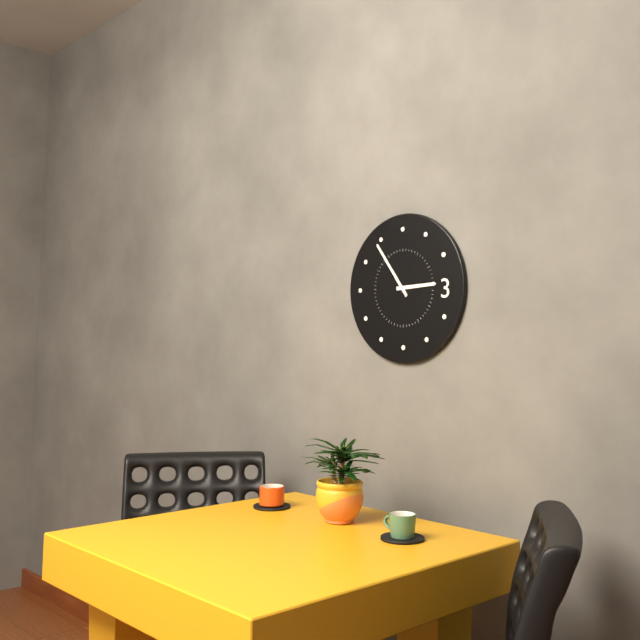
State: h=2 m=54
